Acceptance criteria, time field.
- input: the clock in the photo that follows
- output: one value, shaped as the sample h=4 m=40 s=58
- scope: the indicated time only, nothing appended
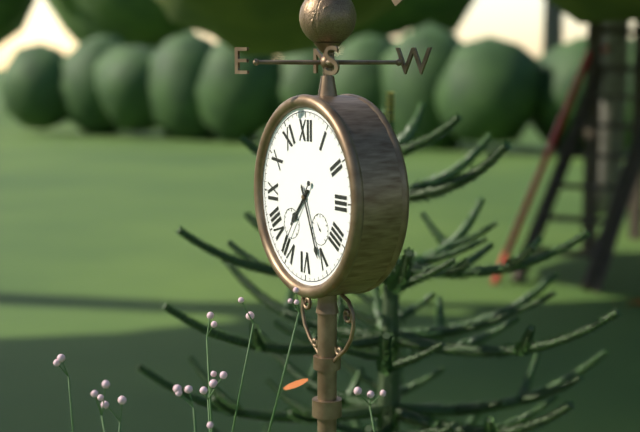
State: h=7 m=26 s=36
